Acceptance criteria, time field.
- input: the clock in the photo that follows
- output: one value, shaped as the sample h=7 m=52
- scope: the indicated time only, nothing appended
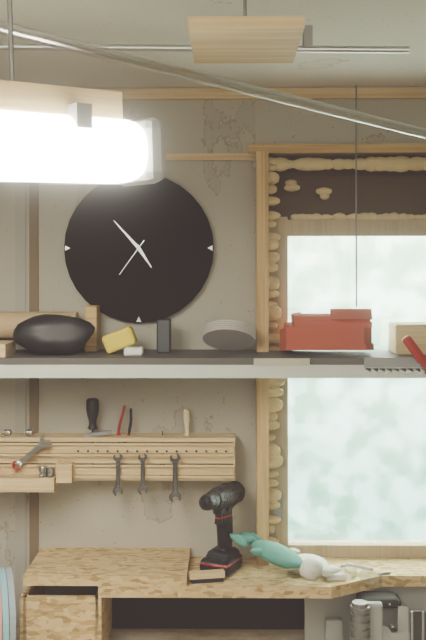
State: h=4 m=53
